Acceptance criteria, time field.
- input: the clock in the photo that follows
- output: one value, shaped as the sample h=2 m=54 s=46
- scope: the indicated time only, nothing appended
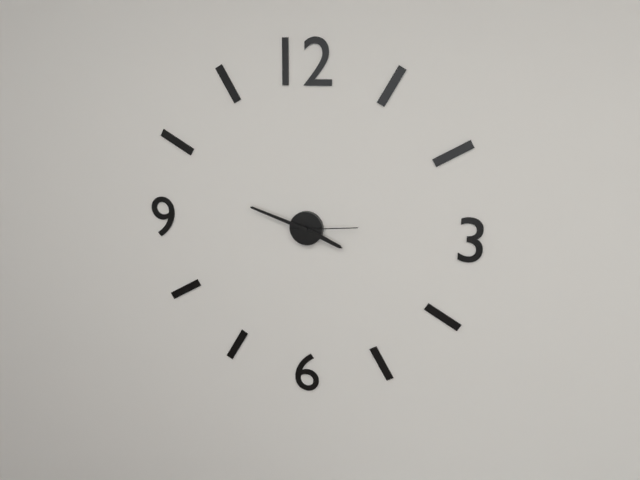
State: h=3 m=48 s=14
